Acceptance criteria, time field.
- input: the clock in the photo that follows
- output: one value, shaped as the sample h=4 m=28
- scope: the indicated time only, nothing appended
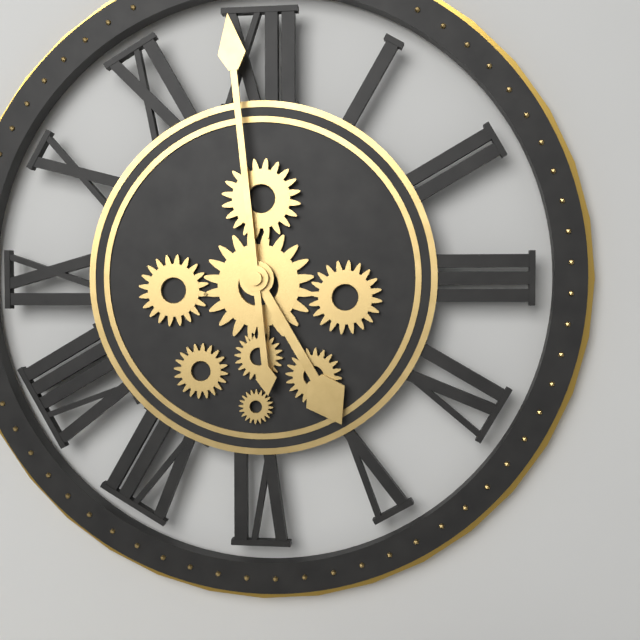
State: h=4 m=59
